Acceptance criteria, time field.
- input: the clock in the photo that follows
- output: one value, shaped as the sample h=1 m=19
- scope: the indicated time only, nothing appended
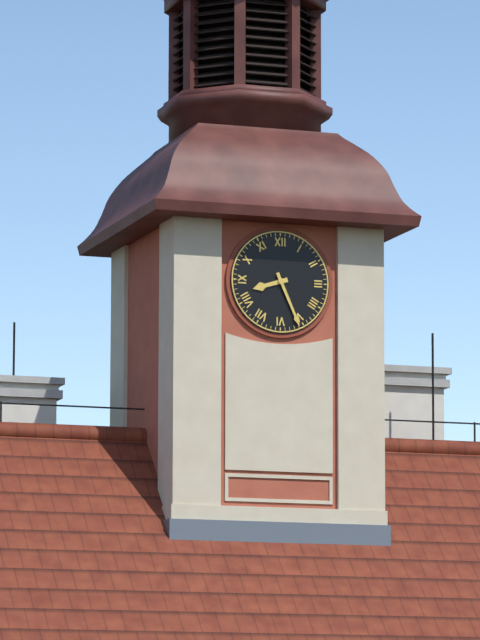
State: h=8 m=26
